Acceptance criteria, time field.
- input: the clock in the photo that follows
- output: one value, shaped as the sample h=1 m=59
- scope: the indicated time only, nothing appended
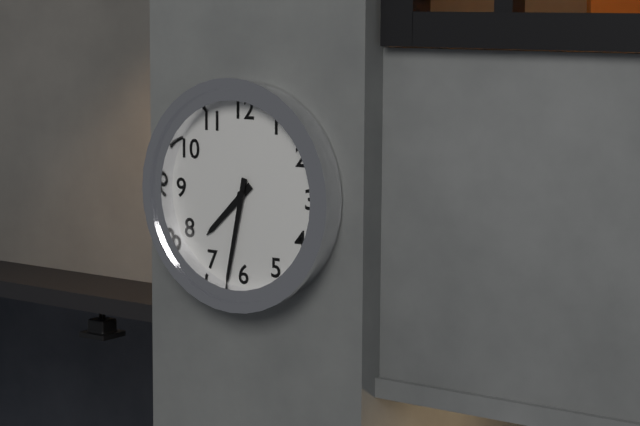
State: h=7 m=32
